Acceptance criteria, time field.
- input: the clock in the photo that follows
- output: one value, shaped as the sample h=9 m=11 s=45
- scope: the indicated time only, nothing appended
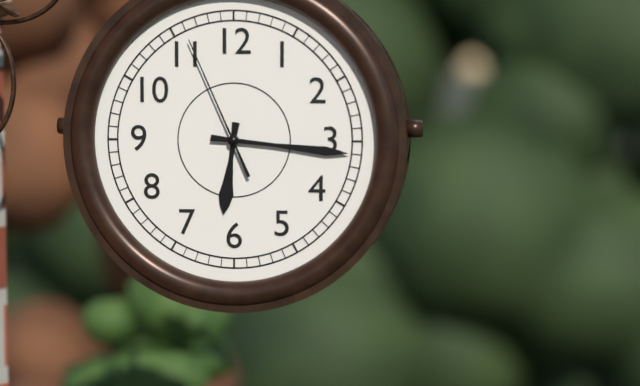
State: h=6 m=16 s=56
